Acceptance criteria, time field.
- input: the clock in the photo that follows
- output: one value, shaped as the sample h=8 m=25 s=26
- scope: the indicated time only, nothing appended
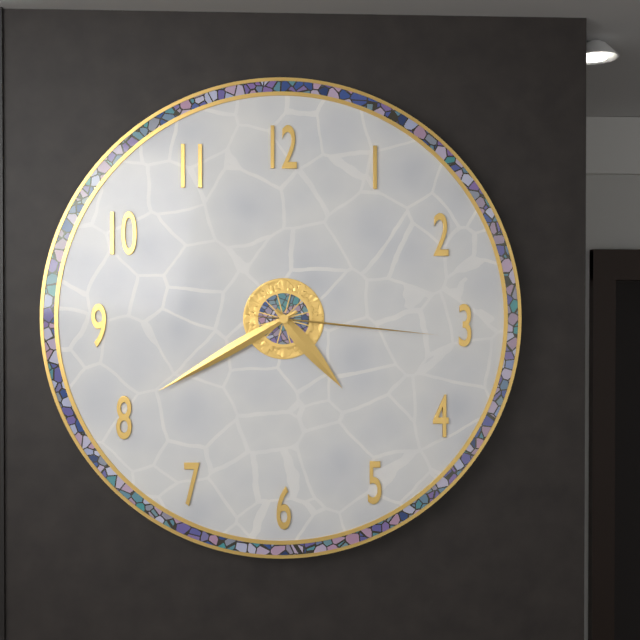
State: h=4 m=40 s=16
